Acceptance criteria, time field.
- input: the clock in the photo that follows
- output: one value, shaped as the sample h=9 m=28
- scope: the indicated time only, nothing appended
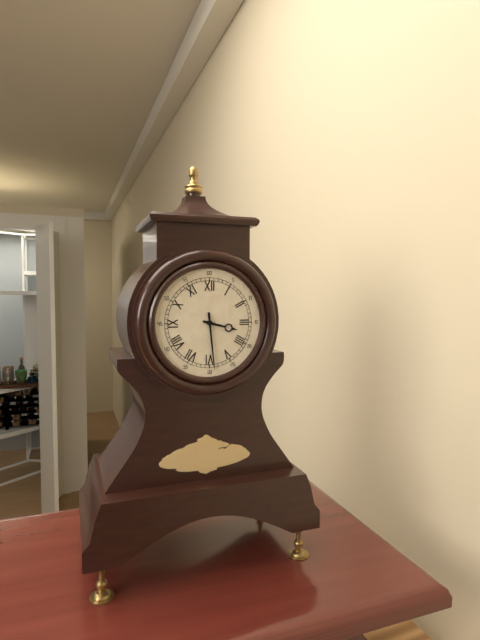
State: h=3 m=29
